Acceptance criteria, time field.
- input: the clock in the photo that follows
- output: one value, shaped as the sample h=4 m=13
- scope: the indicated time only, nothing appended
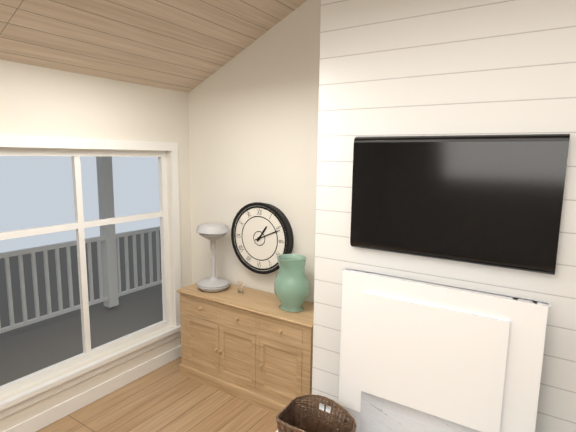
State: h=1 m=11
